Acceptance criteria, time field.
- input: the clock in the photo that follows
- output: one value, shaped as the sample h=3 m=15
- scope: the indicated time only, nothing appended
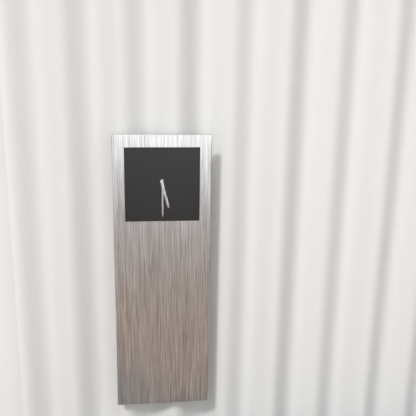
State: h=5 m=30
